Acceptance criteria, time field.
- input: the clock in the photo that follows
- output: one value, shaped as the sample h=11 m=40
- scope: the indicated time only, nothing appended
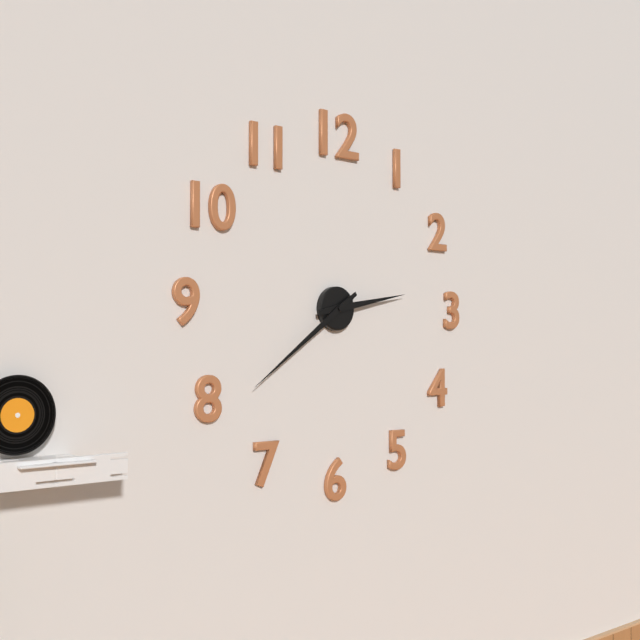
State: h=2 m=39
